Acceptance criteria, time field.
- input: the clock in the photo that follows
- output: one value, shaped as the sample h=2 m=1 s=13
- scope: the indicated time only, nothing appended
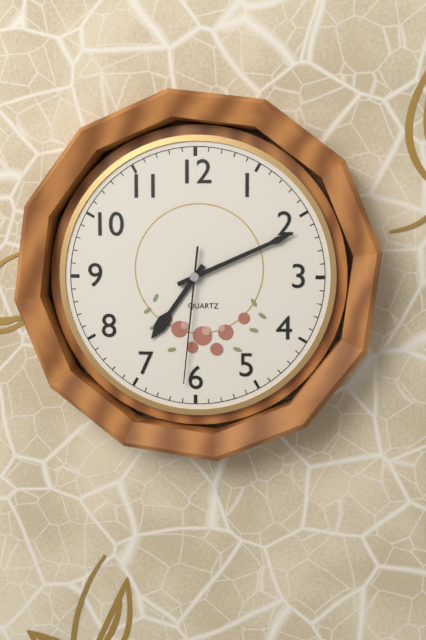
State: h=7 m=11 s=31
